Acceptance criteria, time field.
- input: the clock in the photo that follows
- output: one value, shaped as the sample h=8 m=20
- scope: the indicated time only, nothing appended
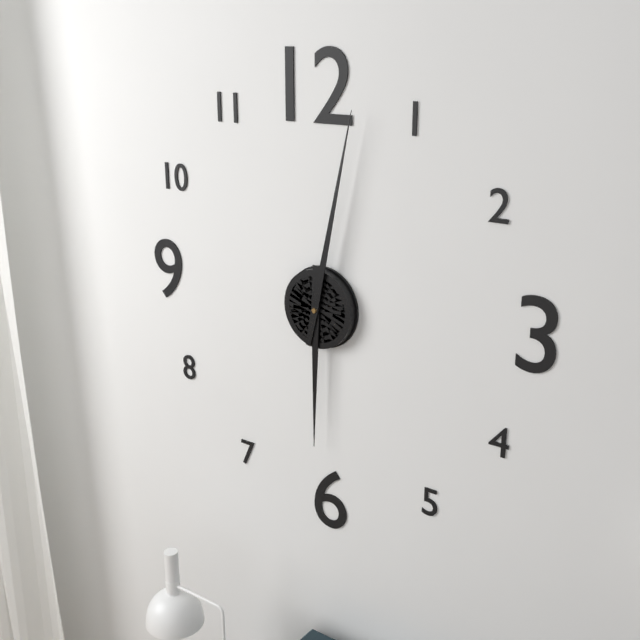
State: h=6 m=2
